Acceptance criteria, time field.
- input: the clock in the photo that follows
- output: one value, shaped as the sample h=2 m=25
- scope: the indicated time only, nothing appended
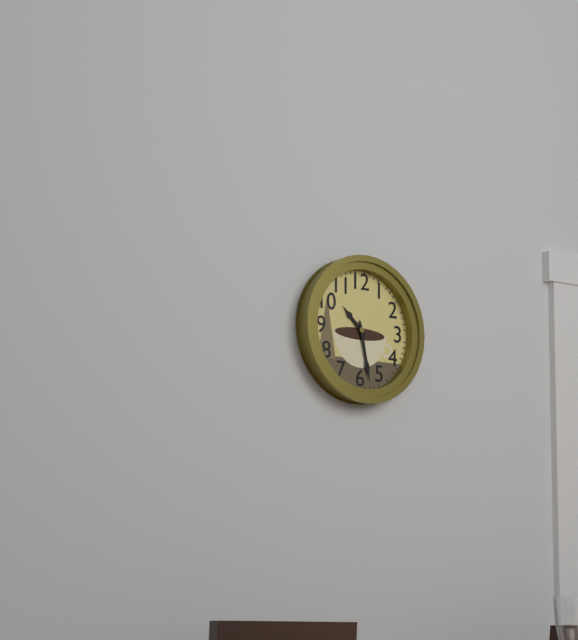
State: h=10 m=28
